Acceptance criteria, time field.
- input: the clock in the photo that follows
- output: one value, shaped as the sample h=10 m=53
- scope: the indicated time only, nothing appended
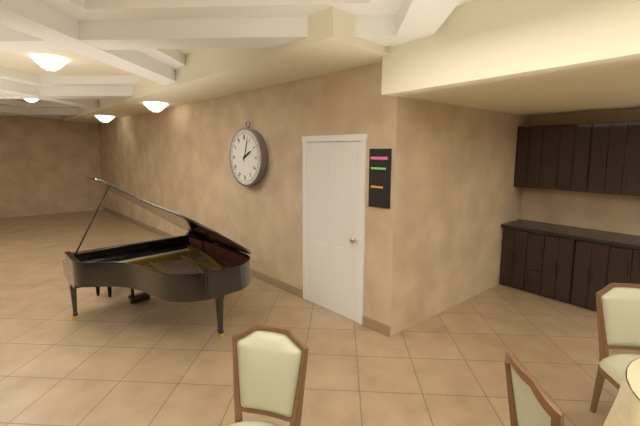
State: h=2 m=3
